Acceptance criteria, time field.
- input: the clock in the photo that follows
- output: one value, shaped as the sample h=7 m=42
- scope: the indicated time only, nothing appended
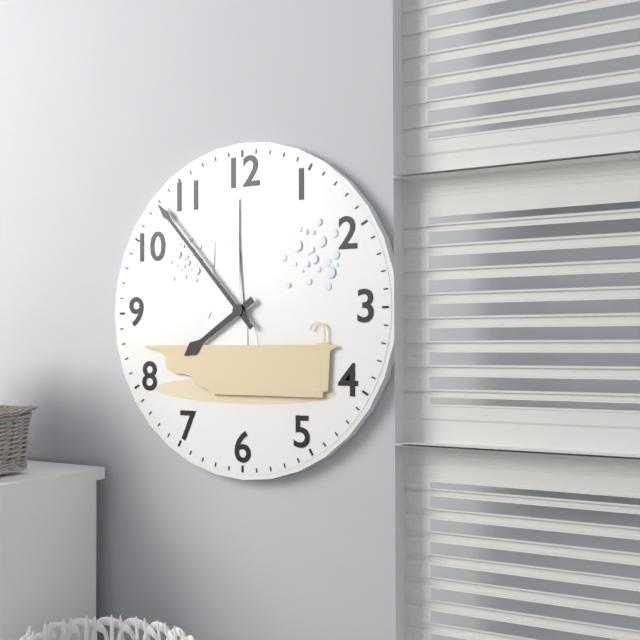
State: h=7 m=53
